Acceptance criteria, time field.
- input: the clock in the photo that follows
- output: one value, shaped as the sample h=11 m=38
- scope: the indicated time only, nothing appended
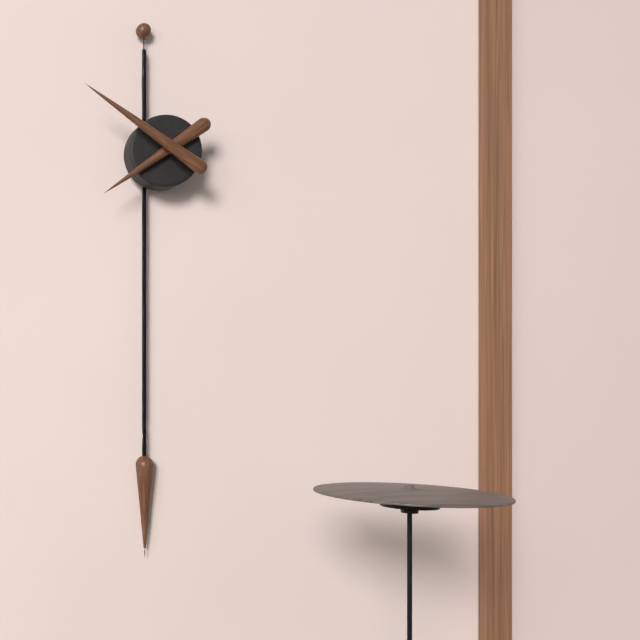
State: h=7 m=51
